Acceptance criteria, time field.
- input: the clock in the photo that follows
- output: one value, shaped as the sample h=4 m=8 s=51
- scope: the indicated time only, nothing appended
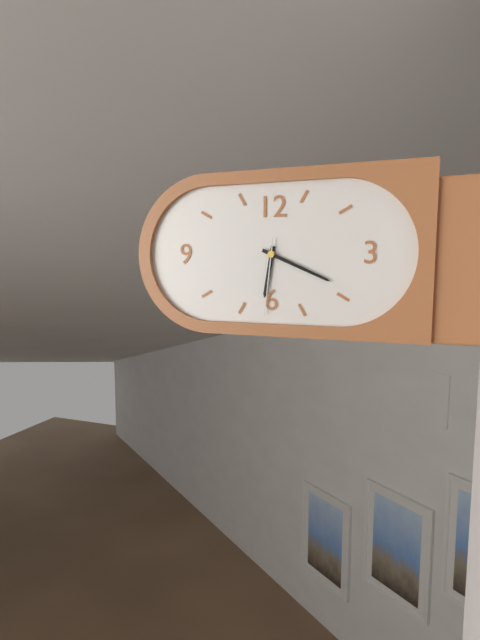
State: h=6 m=19 s=31
